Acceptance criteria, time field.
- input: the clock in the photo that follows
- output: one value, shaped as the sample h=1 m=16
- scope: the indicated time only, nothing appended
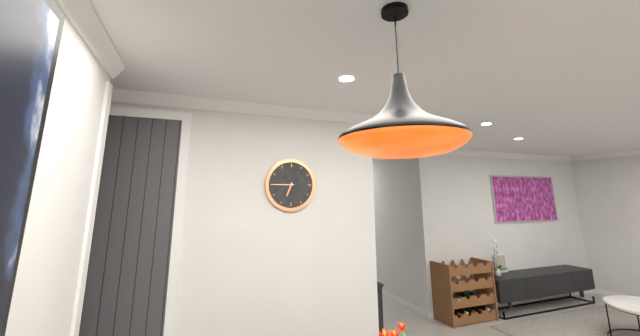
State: h=6 m=45
